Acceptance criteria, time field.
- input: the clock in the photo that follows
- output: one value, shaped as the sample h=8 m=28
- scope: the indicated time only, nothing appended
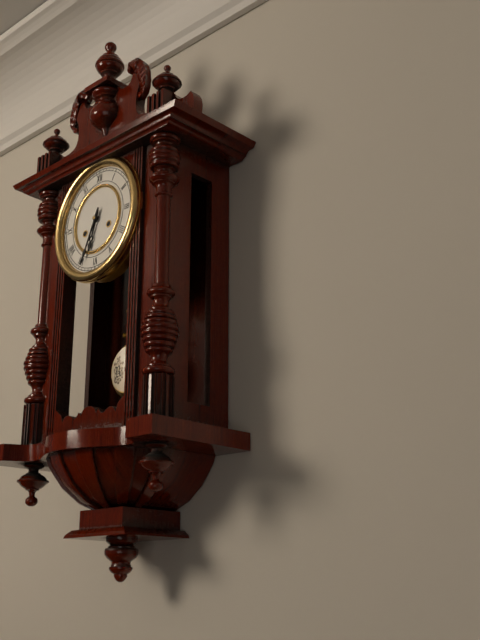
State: h=6 m=34
